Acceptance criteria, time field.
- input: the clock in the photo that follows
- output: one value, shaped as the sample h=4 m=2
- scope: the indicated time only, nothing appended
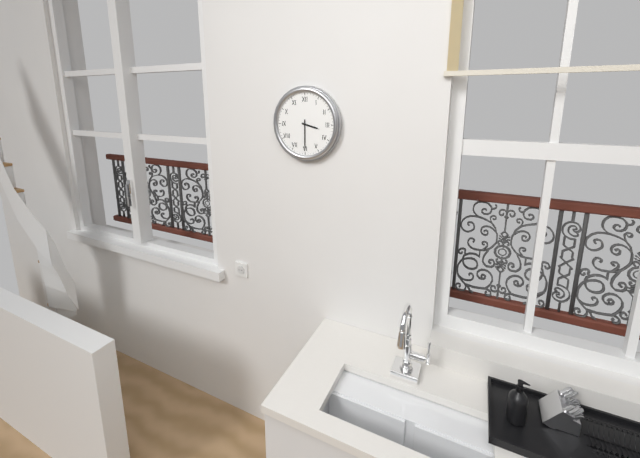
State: h=3 m=30
